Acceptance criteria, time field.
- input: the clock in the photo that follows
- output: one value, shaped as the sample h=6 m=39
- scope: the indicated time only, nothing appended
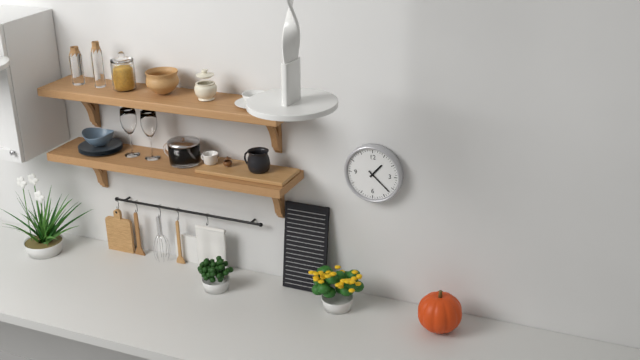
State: h=1 m=22
